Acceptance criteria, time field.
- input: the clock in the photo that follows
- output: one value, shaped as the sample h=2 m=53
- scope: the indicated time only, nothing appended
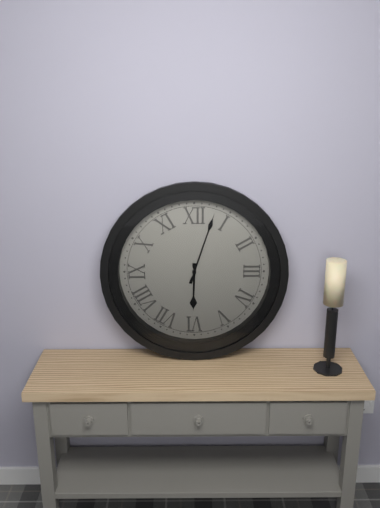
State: h=6 m=3
